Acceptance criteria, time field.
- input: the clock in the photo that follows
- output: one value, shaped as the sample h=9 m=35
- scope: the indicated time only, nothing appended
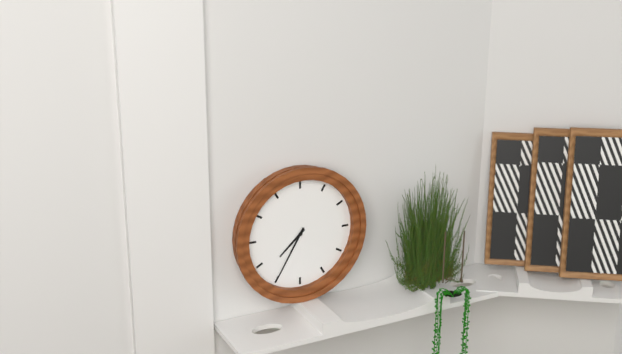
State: h=7 m=35
